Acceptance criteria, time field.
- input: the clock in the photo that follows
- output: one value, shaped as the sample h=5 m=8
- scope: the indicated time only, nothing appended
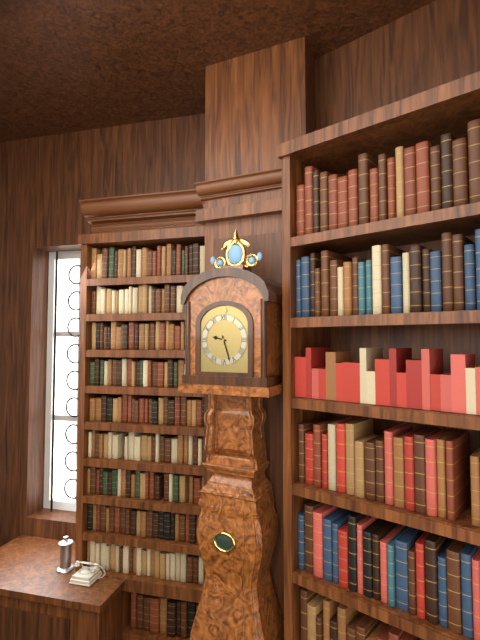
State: h=9 m=27
